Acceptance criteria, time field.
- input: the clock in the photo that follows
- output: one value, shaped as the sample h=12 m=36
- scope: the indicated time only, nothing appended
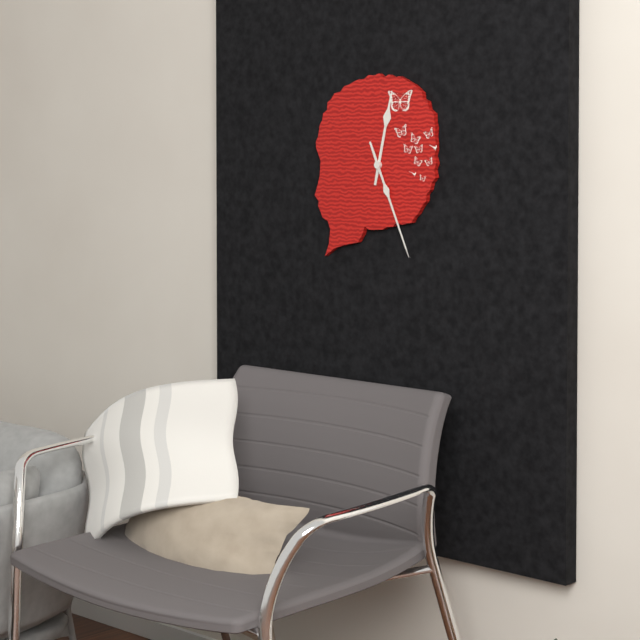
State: h=12 m=26
